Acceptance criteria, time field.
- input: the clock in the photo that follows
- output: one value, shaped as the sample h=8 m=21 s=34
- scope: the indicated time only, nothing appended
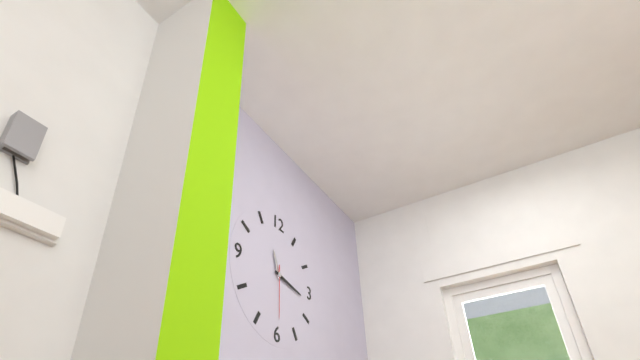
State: h=11 m=17 s=30
